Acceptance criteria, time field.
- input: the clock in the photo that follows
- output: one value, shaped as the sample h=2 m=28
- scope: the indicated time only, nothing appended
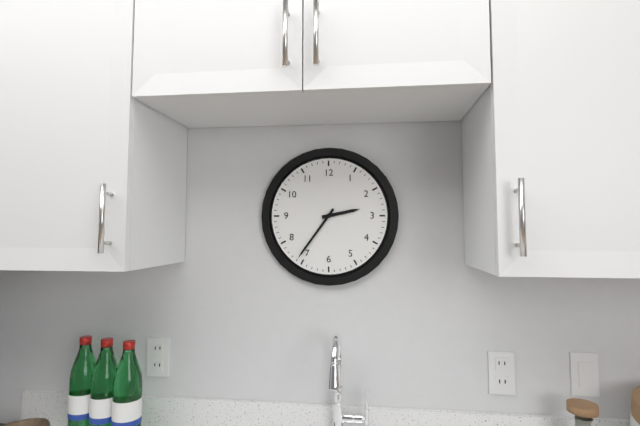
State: h=2 m=36
